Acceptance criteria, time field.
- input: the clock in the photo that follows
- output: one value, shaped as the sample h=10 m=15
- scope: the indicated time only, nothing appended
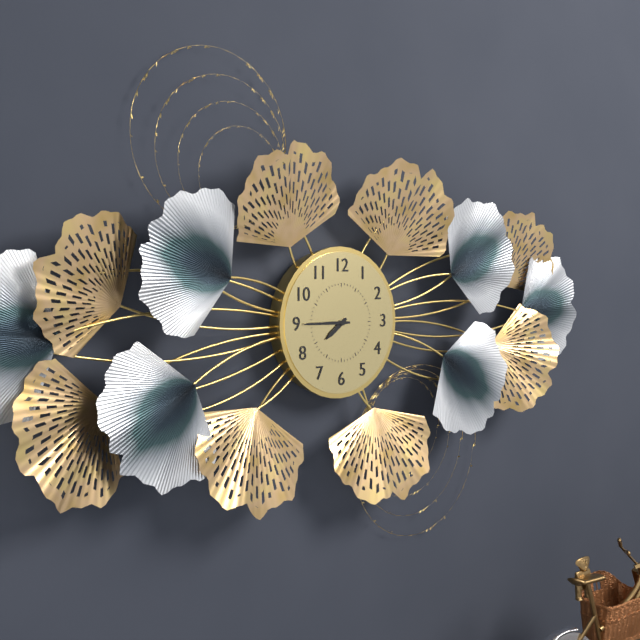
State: h=7 m=45
